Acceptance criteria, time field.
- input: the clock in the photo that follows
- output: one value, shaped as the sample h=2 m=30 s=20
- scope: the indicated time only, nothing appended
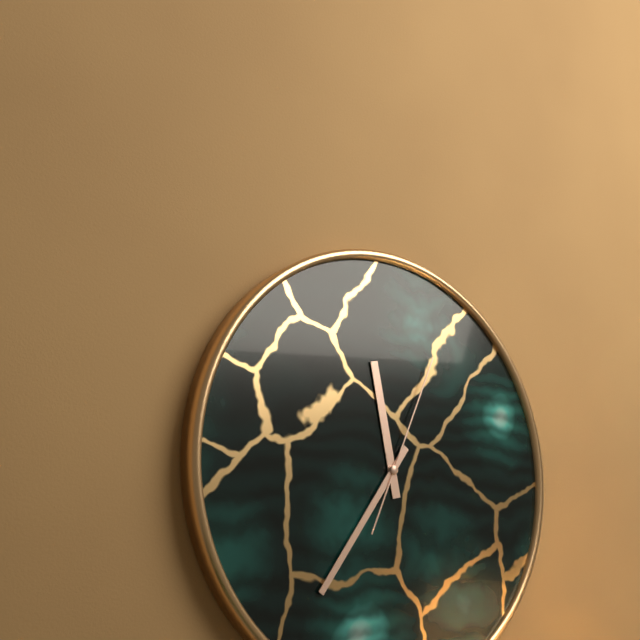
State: h=11 m=36 s=4
